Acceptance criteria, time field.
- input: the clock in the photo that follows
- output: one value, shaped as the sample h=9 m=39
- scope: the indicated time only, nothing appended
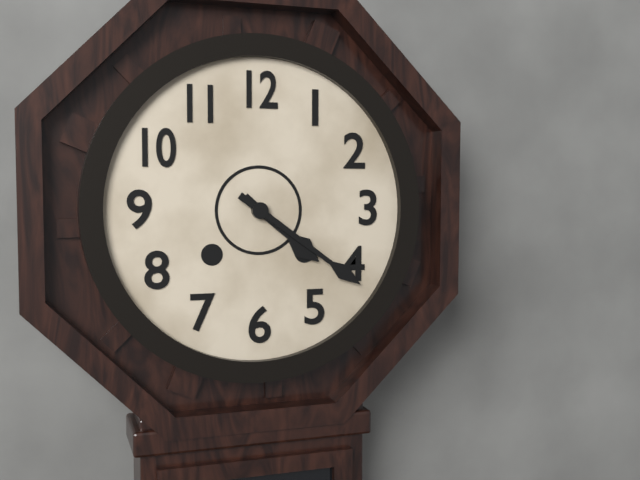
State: h=4 m=21
